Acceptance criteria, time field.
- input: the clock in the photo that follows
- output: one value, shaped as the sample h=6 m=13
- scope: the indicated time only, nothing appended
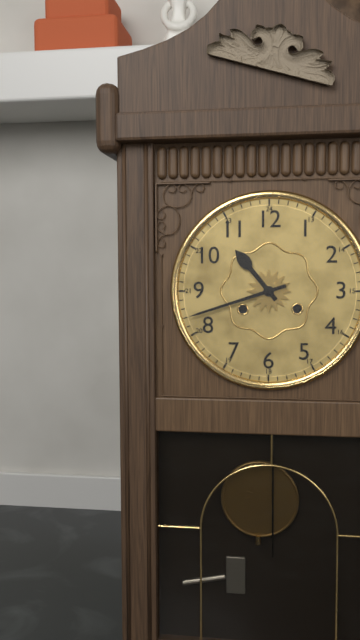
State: h=10 m=42
